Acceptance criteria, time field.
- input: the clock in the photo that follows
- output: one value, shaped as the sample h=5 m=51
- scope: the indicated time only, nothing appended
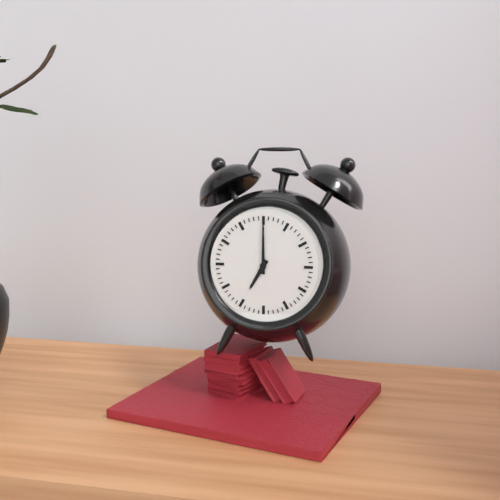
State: h=7 m=0
